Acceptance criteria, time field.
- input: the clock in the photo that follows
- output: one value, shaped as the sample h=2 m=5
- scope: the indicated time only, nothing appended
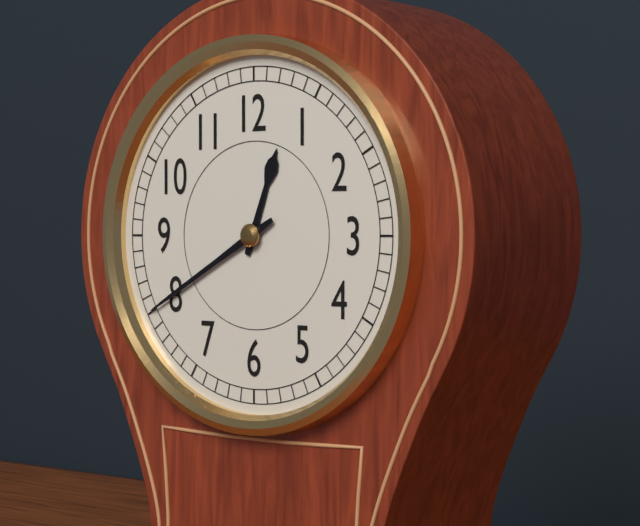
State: h=12 m=40
